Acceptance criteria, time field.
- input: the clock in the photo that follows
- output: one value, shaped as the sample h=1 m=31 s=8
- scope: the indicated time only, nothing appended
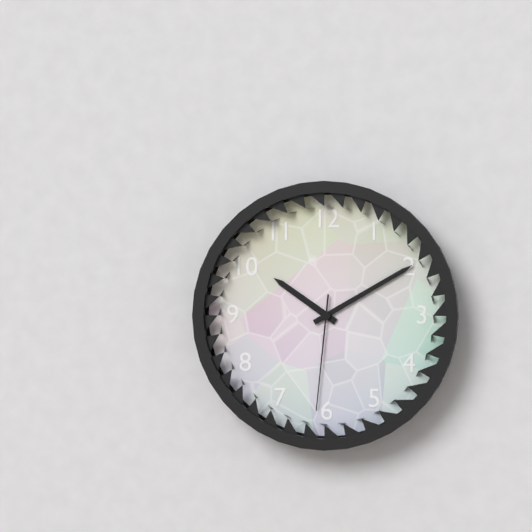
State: h=10 m=10 s=31
